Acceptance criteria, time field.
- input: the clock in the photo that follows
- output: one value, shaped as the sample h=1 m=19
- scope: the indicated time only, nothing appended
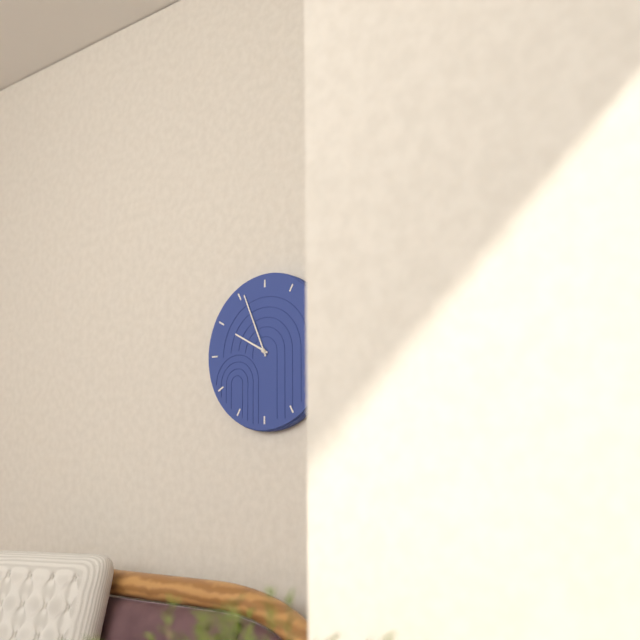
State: h=9 m=56
